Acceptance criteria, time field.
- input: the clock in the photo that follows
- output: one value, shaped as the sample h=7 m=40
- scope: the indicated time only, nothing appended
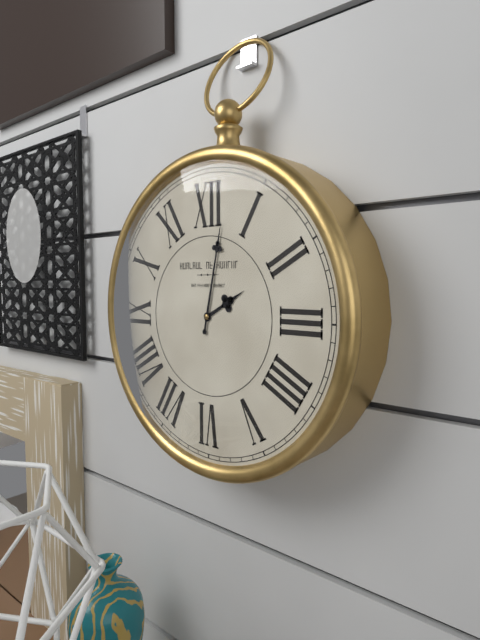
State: h=2 m=2
